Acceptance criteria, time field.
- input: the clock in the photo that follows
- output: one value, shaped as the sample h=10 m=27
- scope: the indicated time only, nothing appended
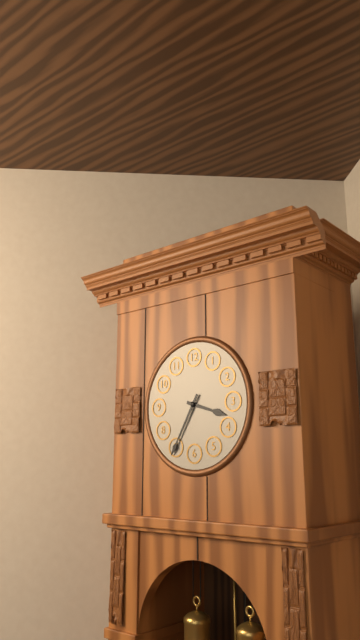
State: h=3 m=35
